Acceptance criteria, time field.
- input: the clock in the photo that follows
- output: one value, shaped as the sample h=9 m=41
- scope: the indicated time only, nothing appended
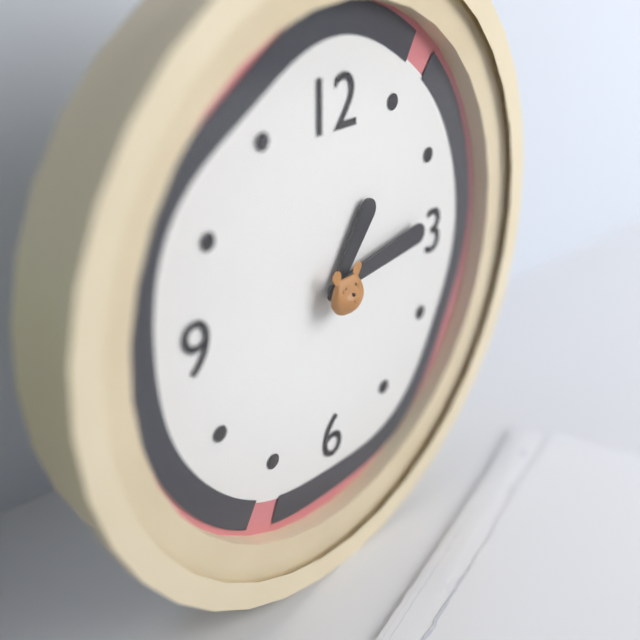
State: h=1 m=14
